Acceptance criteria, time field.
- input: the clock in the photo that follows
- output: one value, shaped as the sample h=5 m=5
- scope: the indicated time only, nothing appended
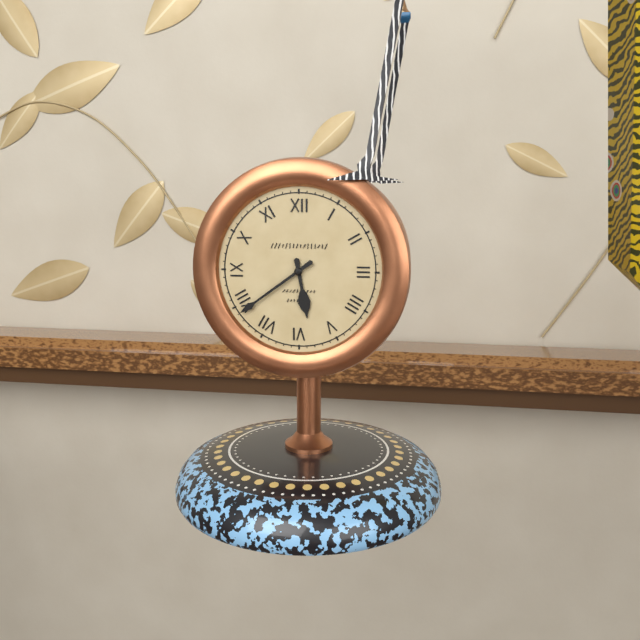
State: h=5 m=39
